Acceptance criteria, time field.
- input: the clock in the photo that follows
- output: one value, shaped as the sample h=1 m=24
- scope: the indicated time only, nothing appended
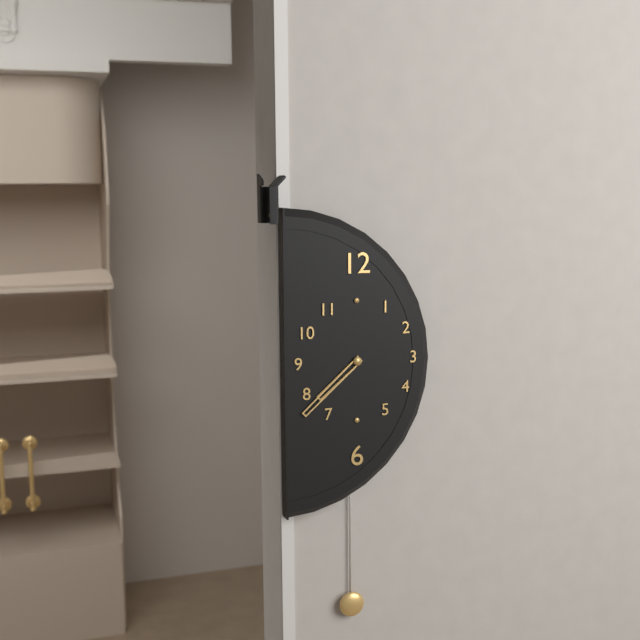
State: h=7 m=38
